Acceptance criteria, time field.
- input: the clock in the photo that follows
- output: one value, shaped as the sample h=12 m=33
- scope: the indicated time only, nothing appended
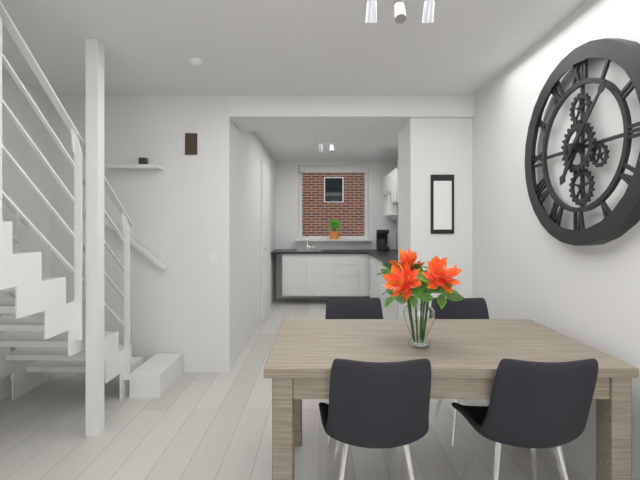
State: h=7 m=7
